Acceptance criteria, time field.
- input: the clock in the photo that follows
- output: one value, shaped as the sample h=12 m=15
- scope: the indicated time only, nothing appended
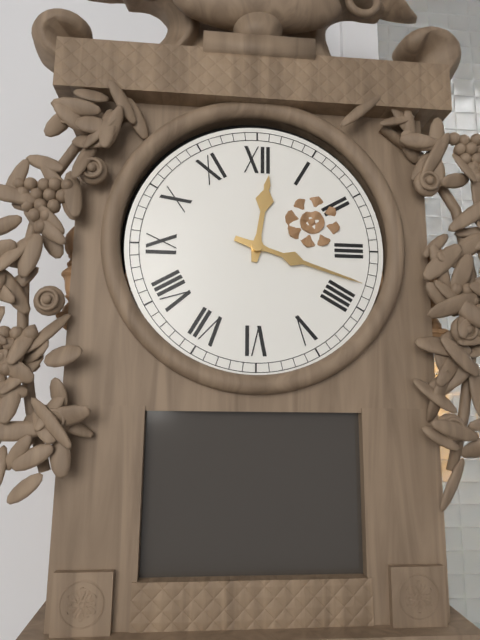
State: h=12 m=18
